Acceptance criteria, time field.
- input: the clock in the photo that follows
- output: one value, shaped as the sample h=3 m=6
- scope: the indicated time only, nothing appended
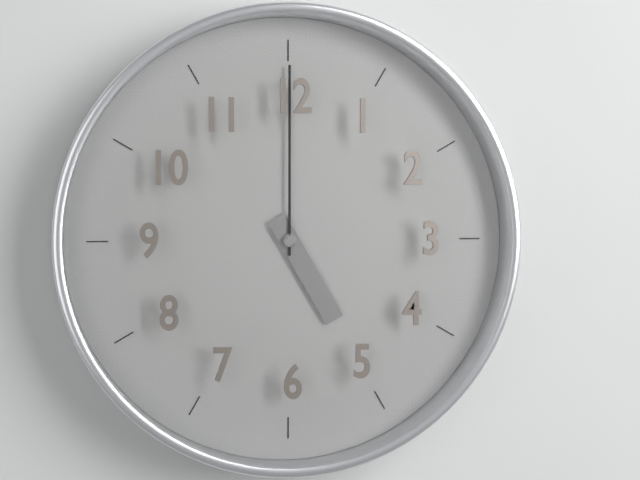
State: h=5 m=0
